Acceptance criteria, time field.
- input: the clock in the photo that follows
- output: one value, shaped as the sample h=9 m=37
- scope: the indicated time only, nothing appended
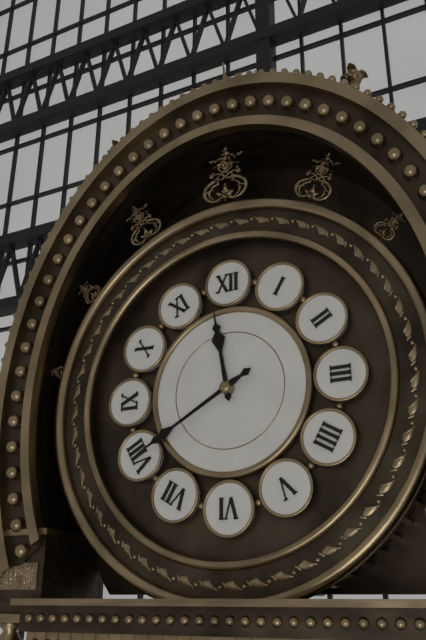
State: h=11 m=40
